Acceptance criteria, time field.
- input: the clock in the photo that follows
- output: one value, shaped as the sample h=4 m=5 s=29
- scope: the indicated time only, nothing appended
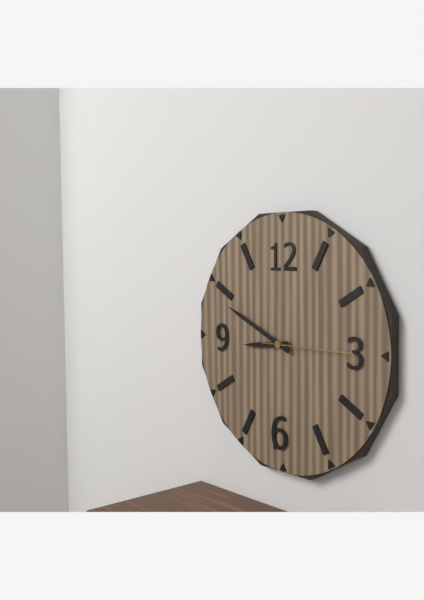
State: h=8 m=49 s=15
